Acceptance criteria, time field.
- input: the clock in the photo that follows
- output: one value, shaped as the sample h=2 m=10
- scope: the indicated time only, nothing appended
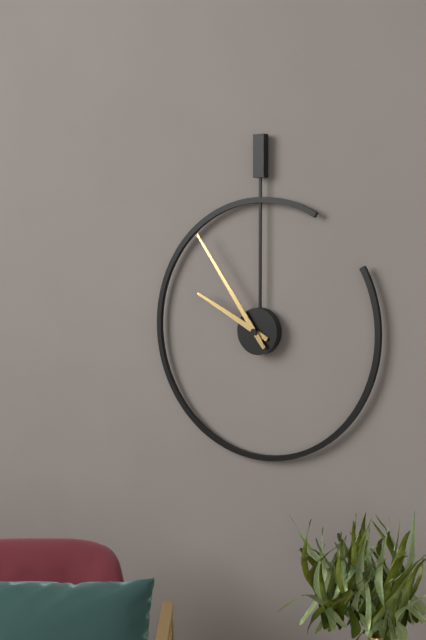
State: h=9 m=54
